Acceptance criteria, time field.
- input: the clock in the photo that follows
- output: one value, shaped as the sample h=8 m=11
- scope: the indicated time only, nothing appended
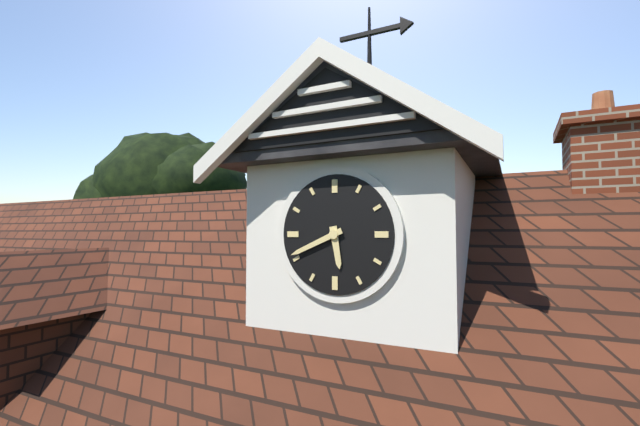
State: h=5 m=41
